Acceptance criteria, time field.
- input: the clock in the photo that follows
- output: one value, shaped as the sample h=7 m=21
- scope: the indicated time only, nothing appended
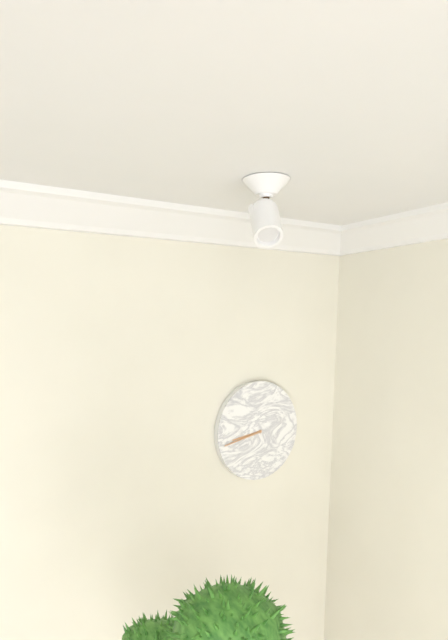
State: h=8 m=43
